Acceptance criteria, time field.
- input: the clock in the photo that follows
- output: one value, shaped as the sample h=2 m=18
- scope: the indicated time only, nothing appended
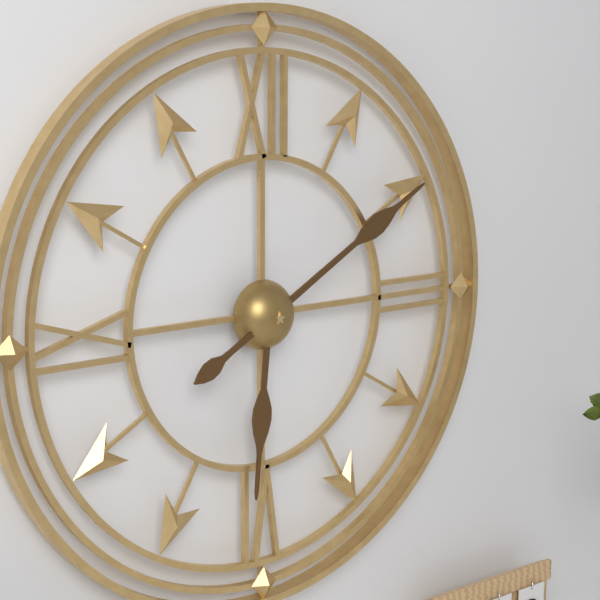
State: h=6 m=10
